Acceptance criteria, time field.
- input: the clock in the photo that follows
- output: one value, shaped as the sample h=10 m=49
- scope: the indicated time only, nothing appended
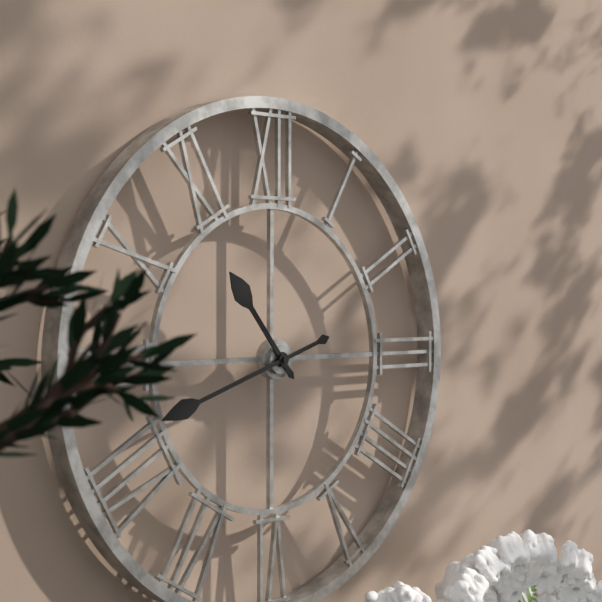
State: h=10 m=42
